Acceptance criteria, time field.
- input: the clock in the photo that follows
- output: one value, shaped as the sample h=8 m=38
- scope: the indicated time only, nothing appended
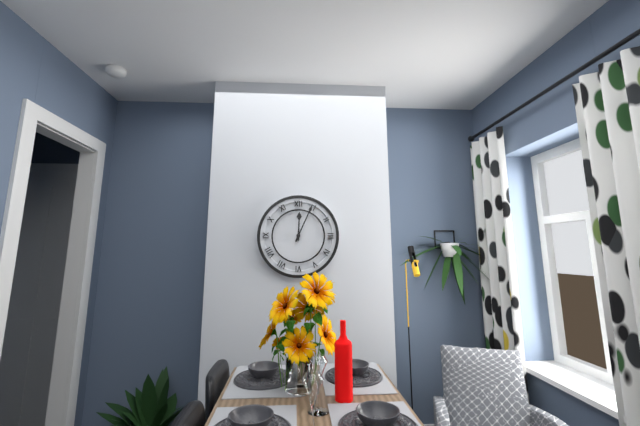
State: h=12 m=4
